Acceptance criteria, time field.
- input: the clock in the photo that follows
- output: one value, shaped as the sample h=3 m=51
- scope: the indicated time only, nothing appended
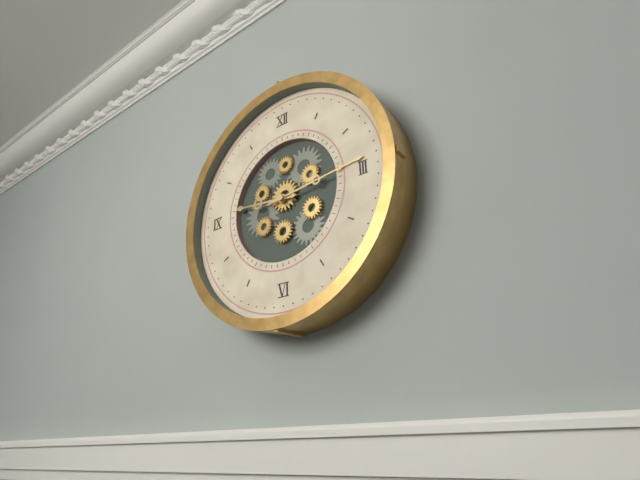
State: h=9 m=14
